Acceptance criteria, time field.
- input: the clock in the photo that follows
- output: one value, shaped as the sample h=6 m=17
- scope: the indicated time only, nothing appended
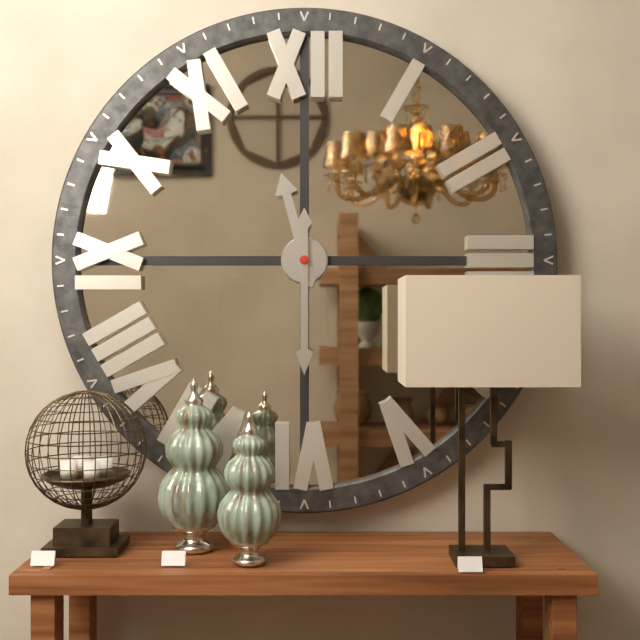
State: h=11 m=30
